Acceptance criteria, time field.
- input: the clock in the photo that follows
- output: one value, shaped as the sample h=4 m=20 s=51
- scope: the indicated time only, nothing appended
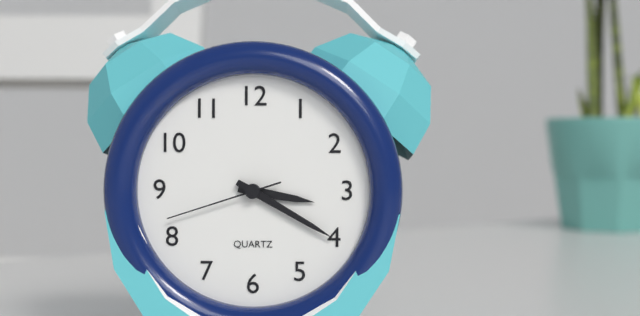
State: h=3 m=20 s=42
